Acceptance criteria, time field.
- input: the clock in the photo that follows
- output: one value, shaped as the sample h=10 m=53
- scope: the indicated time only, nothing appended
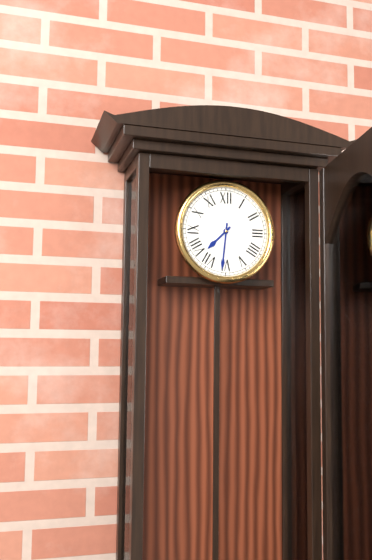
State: h=7 m=31
